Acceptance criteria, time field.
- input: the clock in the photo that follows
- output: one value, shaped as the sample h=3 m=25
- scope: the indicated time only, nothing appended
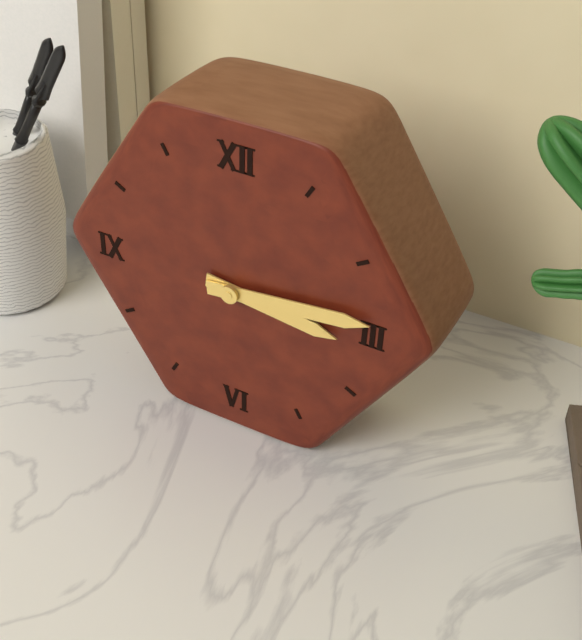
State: h=3 m=14
